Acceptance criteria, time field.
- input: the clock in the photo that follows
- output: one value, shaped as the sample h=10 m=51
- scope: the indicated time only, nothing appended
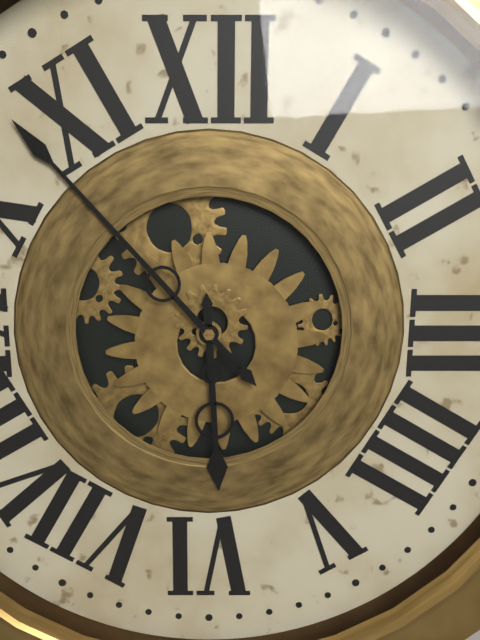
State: h=5 m=53
